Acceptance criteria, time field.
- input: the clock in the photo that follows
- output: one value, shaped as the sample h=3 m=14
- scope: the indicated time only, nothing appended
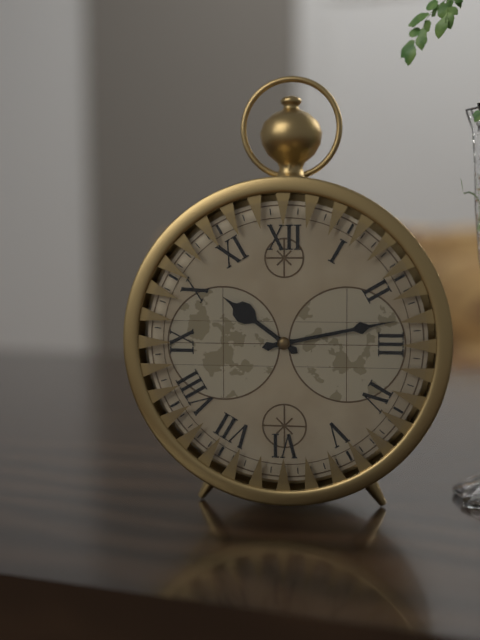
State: h=10 m=13
